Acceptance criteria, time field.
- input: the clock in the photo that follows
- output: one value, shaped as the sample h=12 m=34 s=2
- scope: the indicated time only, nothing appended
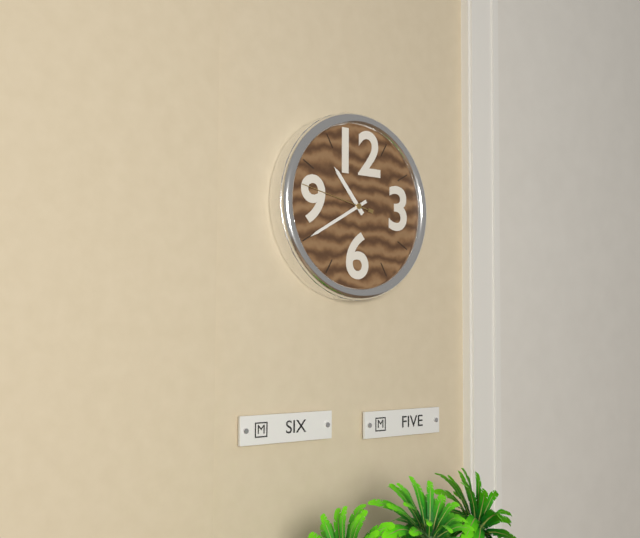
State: h=10 m=40 s=47
